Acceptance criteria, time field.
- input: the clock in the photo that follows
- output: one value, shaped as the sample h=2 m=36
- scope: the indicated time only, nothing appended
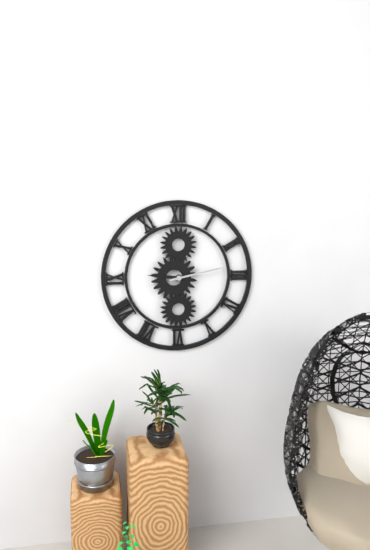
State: h=9 m=13
